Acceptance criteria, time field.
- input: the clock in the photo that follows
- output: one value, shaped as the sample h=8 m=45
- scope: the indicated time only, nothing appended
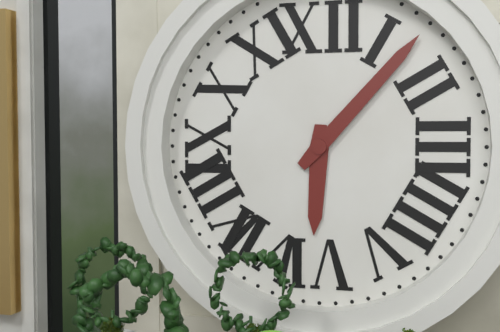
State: h=6 m=7
